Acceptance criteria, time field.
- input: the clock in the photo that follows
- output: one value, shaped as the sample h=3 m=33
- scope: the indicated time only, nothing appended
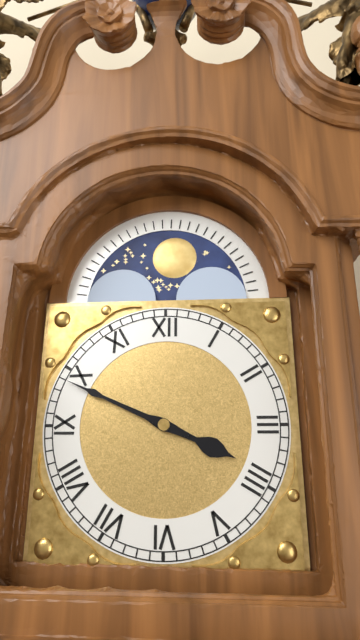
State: h=3 m=49
